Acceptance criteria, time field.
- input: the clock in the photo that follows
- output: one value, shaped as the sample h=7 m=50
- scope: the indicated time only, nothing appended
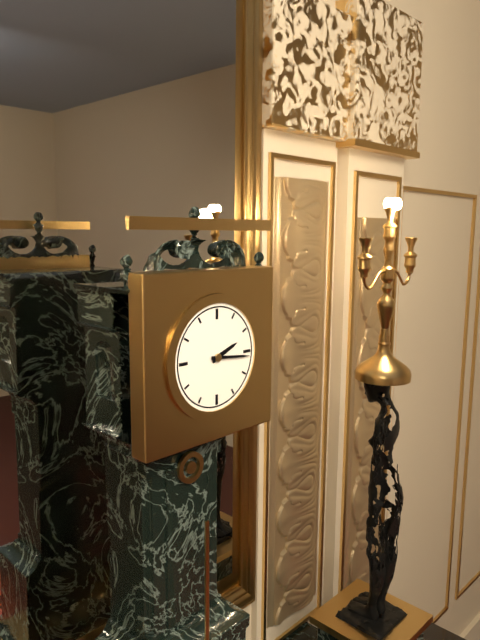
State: h=2 m=16
